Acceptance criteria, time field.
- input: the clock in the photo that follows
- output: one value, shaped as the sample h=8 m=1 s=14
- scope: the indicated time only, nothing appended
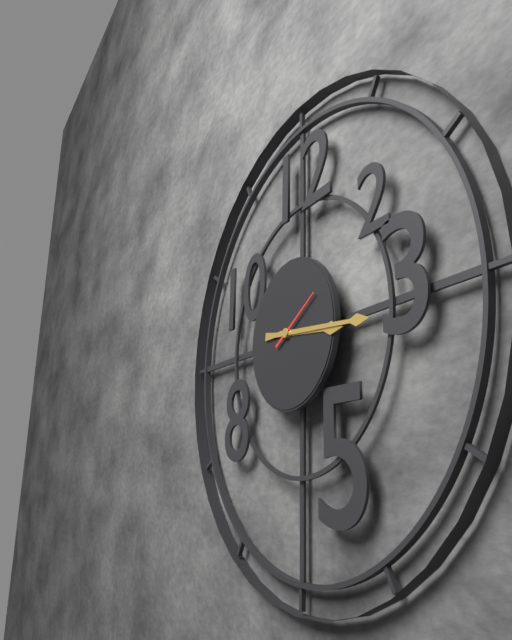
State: h=3 m=16 s=10
